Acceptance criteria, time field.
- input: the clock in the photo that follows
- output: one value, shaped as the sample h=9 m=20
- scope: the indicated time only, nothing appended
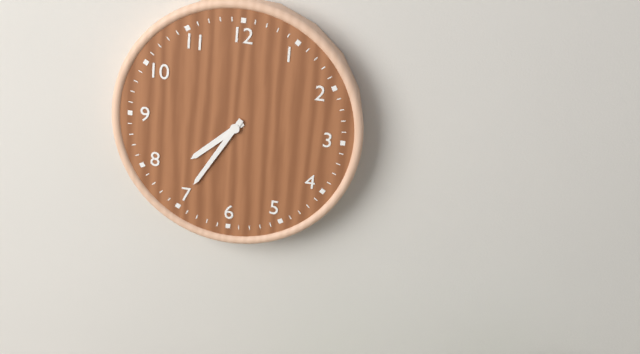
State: h=7 m=35
